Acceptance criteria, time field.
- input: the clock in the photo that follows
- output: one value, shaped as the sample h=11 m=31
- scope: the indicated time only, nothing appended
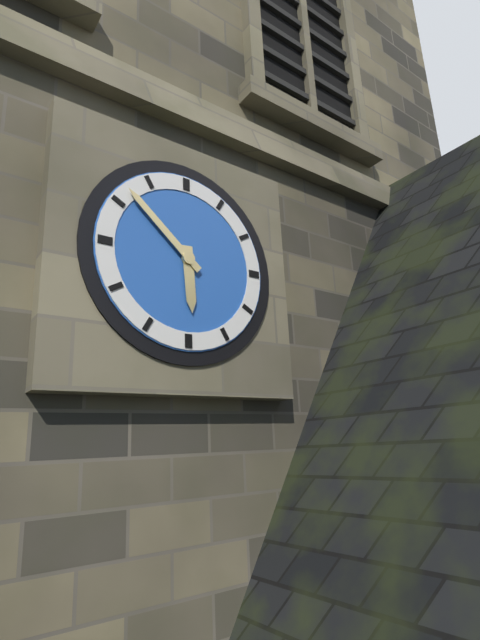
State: h=5 m=52
